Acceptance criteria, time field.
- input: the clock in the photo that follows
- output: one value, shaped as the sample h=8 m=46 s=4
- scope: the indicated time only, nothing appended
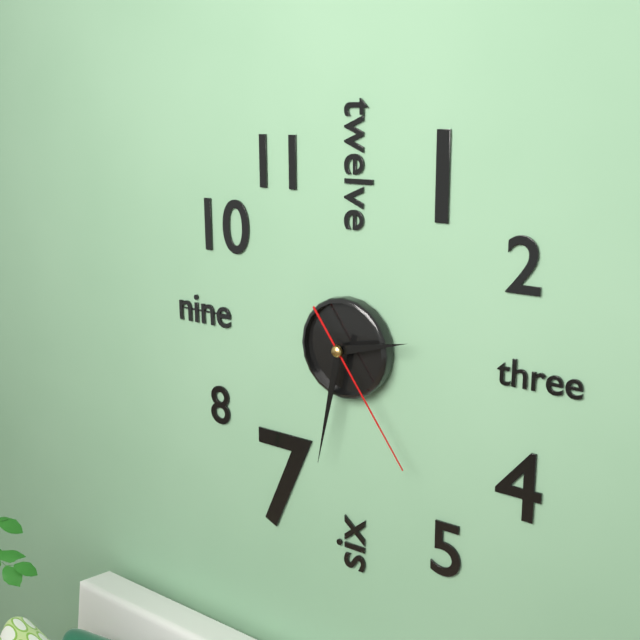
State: h=2 m=32 s=24
